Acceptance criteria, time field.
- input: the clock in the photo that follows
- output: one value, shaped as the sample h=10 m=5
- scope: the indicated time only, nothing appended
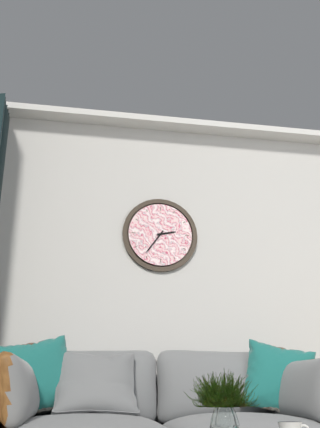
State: h=2 m=36
